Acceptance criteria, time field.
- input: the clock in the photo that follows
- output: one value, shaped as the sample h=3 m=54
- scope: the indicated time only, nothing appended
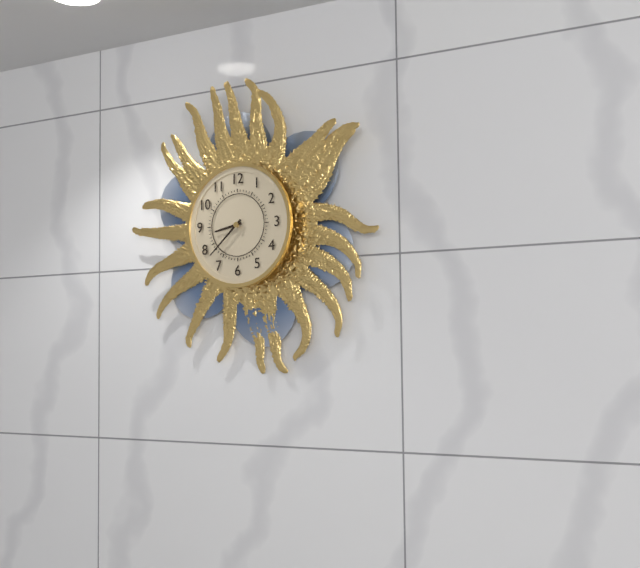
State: h=8 m=38
